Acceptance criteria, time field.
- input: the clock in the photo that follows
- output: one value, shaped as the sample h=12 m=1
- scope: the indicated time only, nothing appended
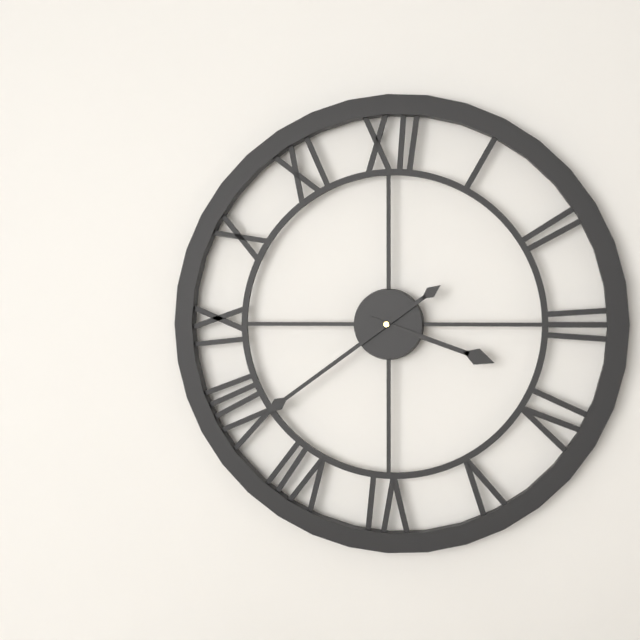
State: h=3 m=39
